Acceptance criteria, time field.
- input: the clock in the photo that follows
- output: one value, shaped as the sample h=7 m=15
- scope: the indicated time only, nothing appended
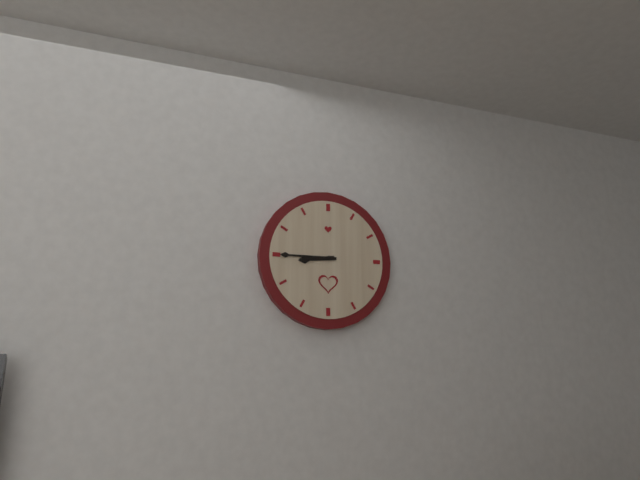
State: h=8 m=45
